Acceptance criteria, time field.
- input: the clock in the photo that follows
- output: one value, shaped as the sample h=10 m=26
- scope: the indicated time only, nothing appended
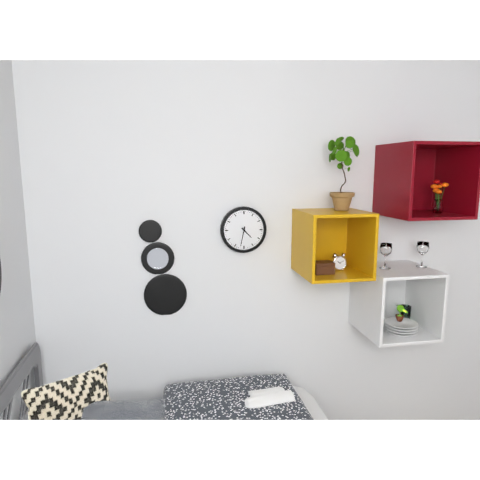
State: h=4 m=32
